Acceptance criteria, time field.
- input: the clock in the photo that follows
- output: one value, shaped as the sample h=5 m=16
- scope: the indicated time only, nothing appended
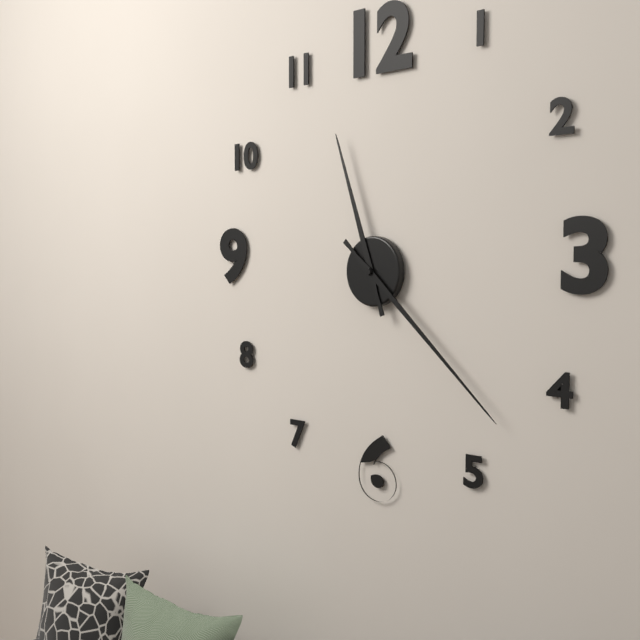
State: h=11 m=22
